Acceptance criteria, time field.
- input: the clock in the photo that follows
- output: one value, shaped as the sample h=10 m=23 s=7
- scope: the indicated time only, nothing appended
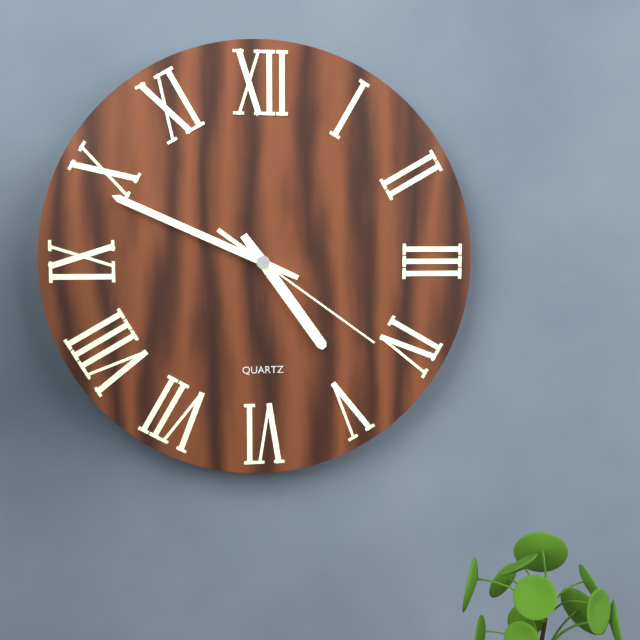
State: h=4 m=49 s=21
